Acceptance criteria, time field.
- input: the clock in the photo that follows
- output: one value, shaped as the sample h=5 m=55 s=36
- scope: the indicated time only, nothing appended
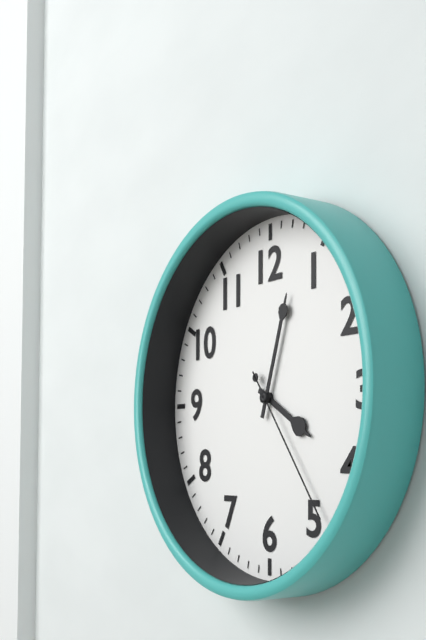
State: h=4 m=3 s=24
